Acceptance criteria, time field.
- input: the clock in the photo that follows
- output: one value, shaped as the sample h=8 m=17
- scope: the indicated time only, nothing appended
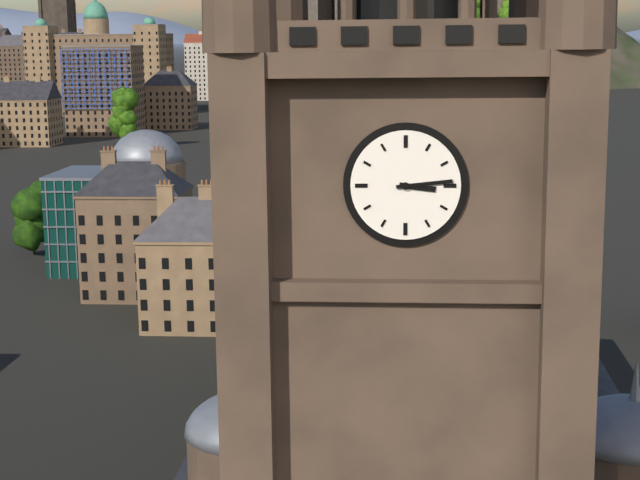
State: h=3 m=14
